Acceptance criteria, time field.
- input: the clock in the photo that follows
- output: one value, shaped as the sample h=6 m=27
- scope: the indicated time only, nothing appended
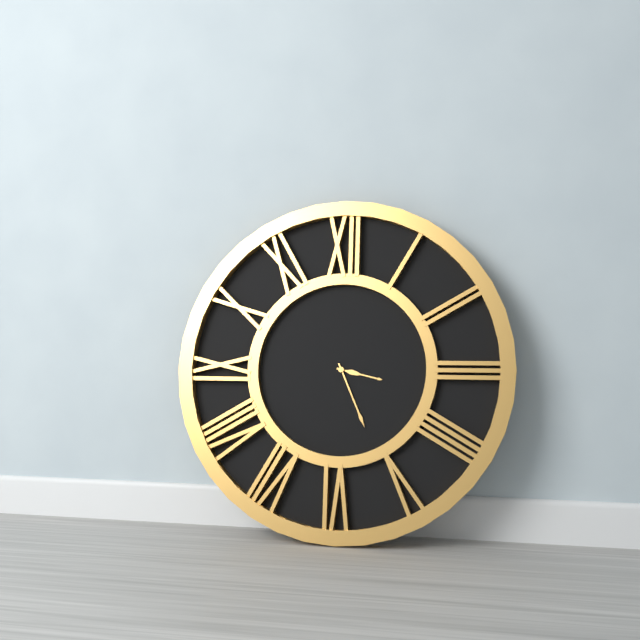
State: h=3 m=26
